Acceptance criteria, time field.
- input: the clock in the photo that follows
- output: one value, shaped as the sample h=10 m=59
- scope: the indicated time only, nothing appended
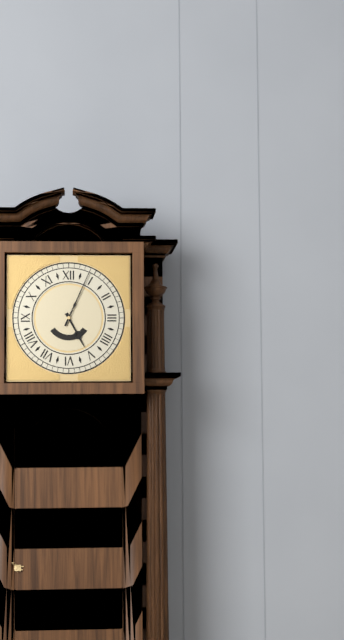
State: h=5 m=4
